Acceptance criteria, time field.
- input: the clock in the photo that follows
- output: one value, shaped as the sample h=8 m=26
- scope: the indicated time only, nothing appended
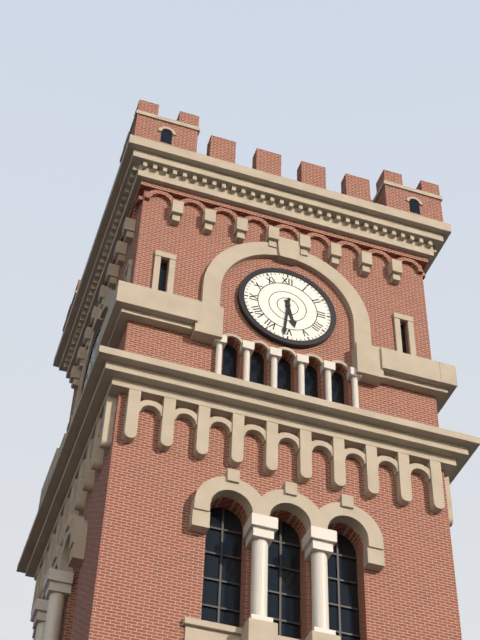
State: h=5 m=31
